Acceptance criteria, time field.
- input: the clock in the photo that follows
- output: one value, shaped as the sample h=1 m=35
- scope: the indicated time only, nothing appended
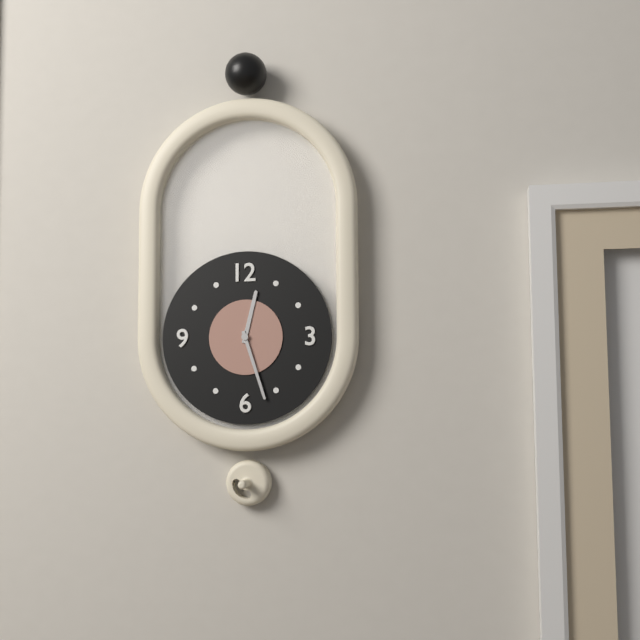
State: h=12 m=27
